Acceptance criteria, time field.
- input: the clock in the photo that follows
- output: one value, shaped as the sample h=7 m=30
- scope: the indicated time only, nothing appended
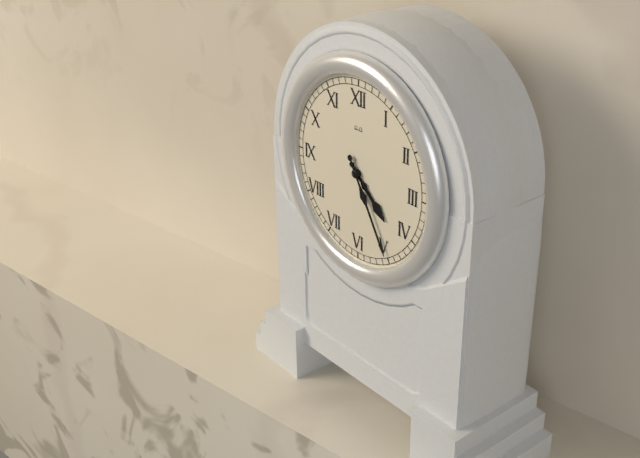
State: h=4 m=25
